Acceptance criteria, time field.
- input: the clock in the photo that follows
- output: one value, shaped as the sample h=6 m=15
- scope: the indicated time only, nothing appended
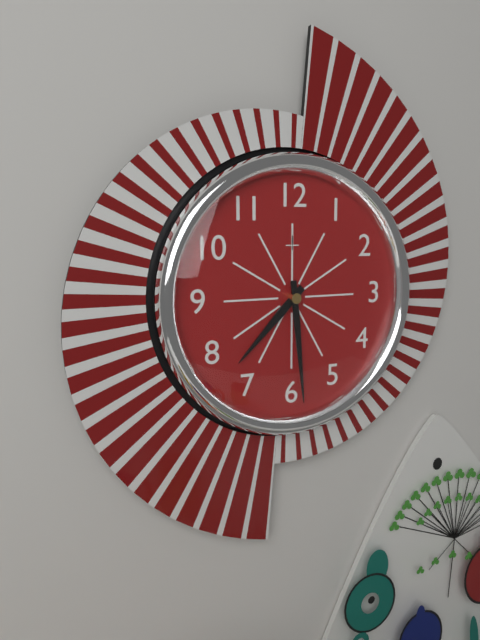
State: h=7 m=29
